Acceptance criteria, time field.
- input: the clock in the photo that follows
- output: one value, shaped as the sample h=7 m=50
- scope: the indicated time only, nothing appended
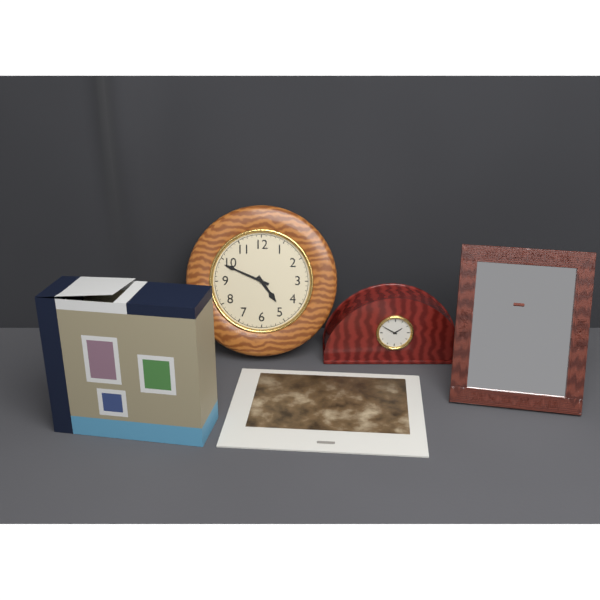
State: h=4 m=49
